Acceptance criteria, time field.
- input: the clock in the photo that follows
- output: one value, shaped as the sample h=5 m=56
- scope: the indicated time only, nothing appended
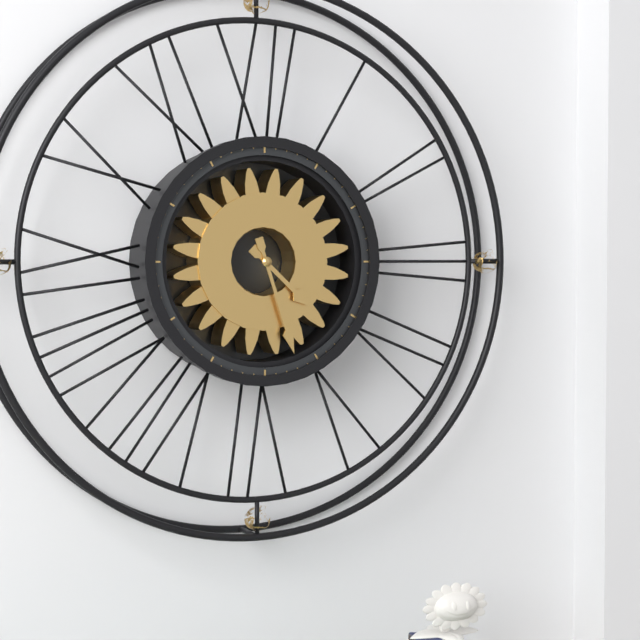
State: h=4 m=27
